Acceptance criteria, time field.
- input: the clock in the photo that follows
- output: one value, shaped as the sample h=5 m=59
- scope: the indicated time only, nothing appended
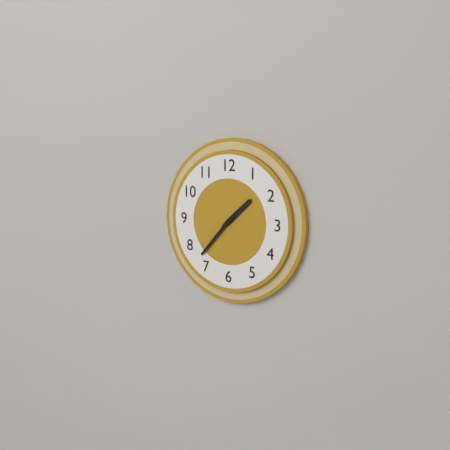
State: h=1 m=37
